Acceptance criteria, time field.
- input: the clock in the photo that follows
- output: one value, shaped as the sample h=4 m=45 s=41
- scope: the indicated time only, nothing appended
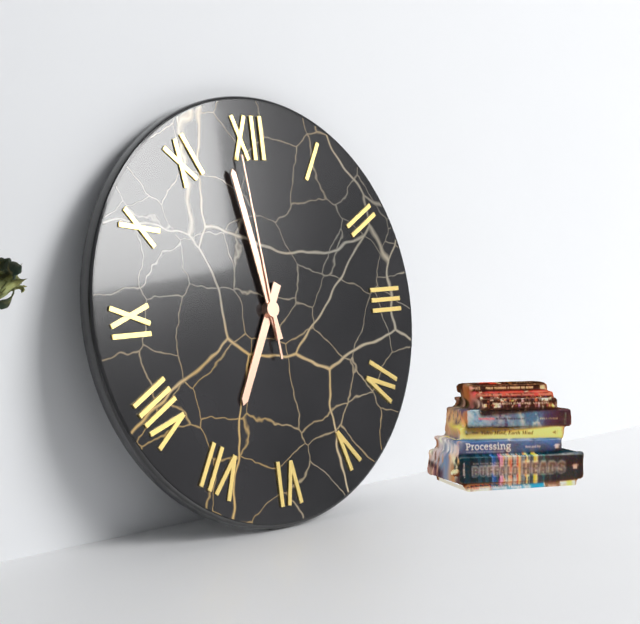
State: h=6 m=58 s=59
